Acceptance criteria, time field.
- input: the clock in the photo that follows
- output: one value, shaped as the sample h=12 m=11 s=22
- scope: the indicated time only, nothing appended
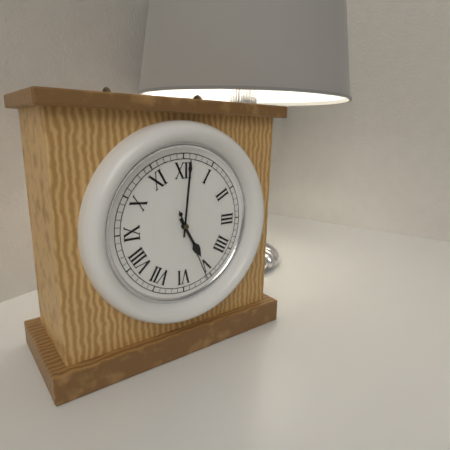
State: h=5 m=1 s=26
